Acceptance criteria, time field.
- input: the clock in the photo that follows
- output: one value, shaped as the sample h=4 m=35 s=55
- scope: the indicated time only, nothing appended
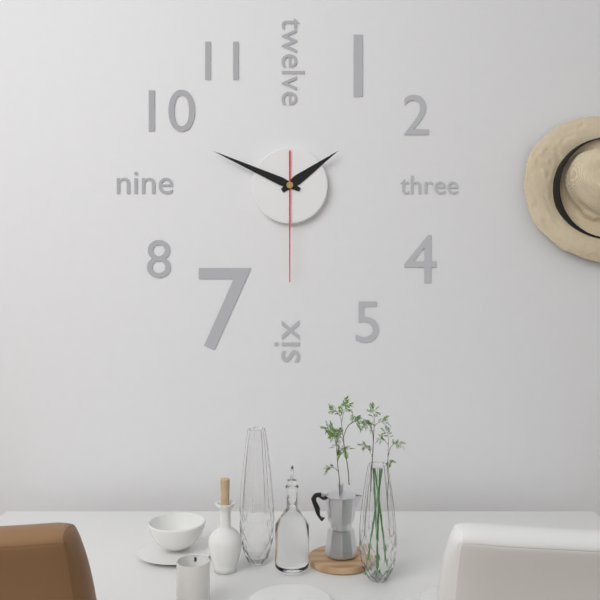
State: h=1 m=49 s=30
